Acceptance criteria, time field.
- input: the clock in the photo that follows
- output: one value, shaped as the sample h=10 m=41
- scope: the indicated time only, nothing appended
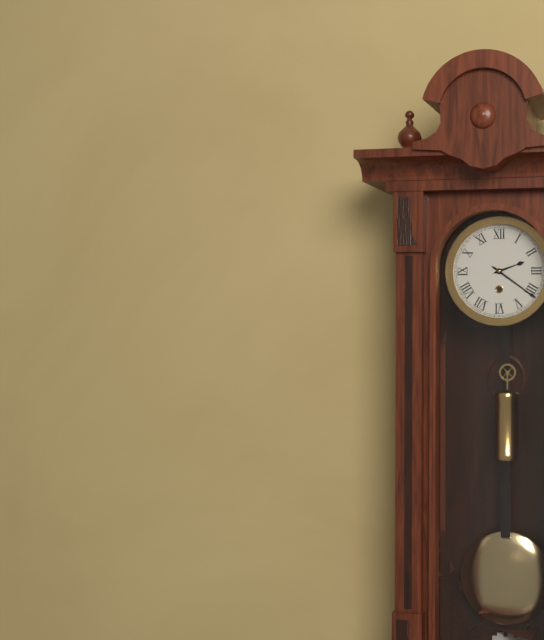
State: h=2 m=21
